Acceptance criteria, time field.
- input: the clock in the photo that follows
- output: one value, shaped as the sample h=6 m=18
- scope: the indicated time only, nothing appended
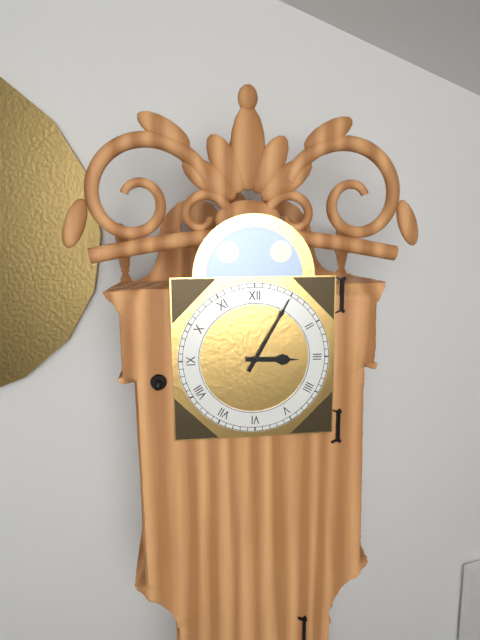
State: h=3 m=5
